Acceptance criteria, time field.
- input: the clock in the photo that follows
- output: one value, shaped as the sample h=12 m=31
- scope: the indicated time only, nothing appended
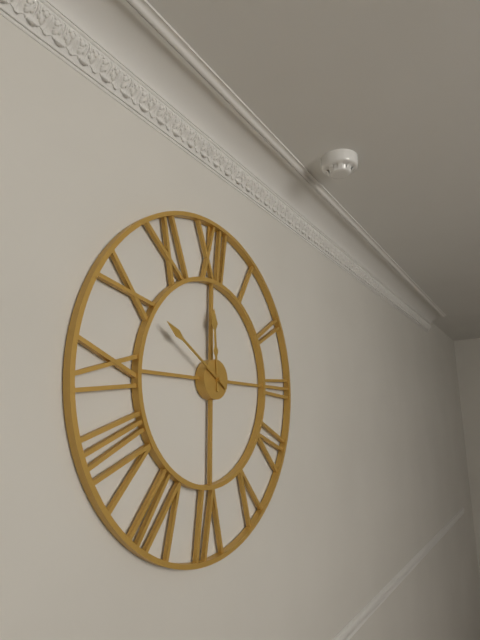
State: h=11 m=50
